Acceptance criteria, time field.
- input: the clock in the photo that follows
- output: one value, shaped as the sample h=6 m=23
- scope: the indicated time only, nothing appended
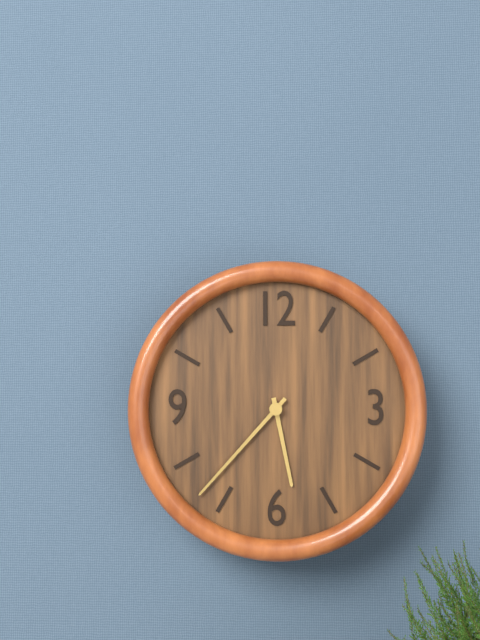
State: h=5 m=37
